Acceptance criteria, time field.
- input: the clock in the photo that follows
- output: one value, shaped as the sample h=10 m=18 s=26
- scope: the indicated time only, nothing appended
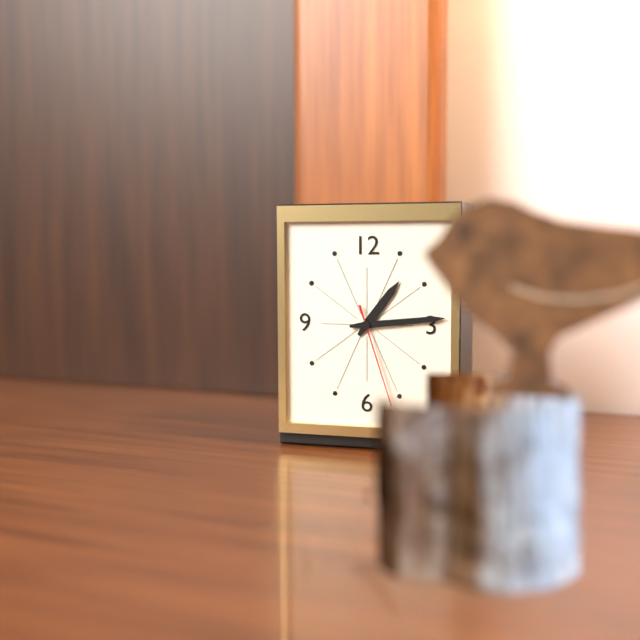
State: h=1 m=14 s=27
